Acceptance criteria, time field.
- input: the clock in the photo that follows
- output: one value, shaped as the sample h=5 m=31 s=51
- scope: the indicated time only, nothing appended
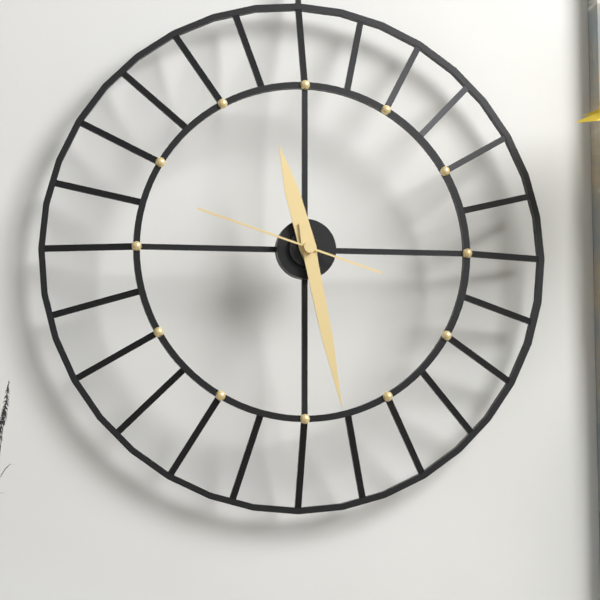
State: h=11 m=28 s=48
